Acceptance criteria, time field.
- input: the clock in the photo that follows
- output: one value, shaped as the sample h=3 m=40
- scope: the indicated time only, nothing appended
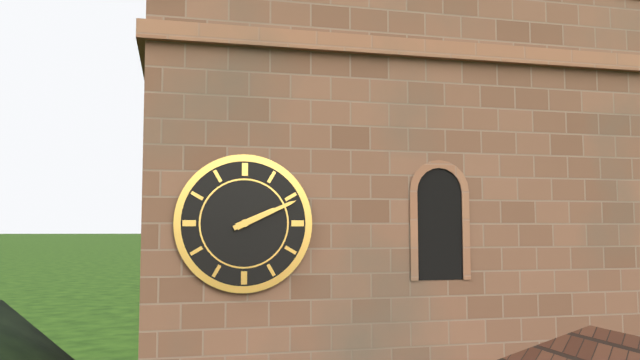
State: h=2 m=11
